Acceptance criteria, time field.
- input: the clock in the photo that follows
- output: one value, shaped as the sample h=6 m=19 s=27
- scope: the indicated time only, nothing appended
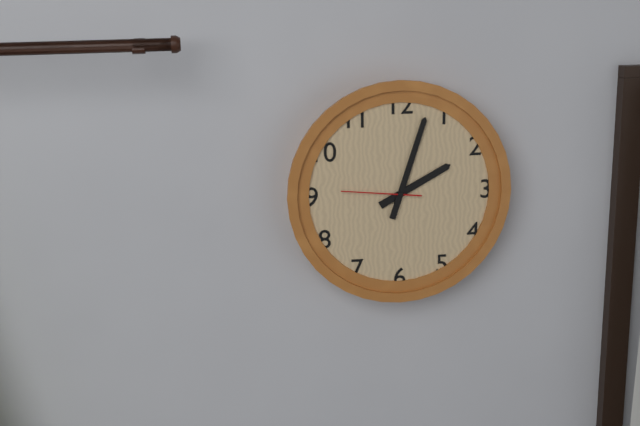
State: h=2 m=3 s=46
